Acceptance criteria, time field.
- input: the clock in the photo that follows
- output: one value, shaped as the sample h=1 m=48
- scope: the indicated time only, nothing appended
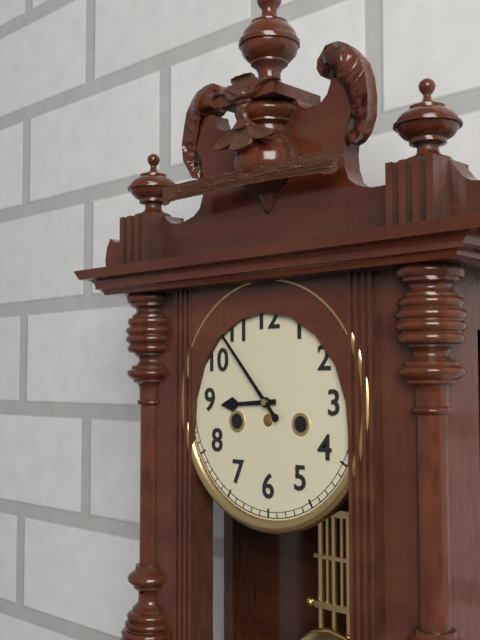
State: h=8 m=53
